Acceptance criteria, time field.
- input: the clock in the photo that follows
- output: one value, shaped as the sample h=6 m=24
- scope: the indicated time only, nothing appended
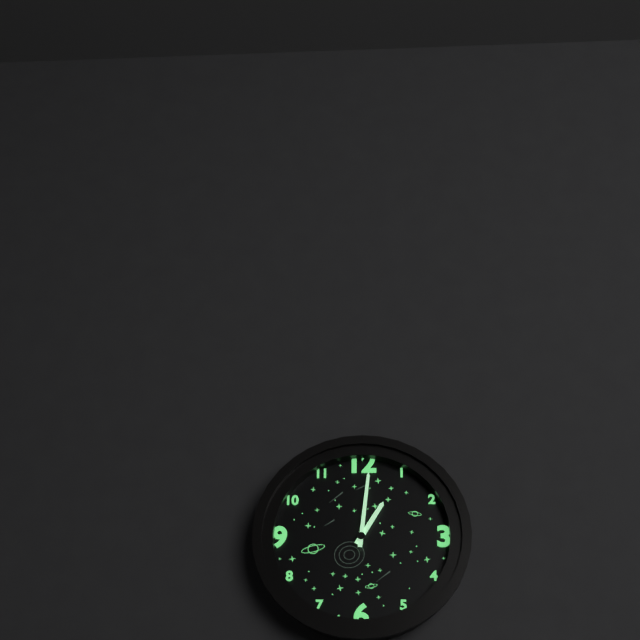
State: h=1 m=1
